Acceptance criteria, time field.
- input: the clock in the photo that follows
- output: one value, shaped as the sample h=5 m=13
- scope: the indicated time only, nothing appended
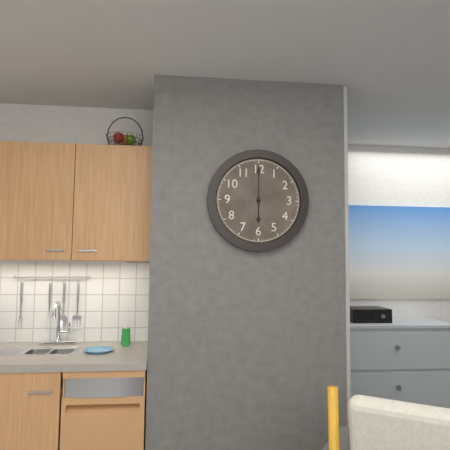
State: h=6 m=0
